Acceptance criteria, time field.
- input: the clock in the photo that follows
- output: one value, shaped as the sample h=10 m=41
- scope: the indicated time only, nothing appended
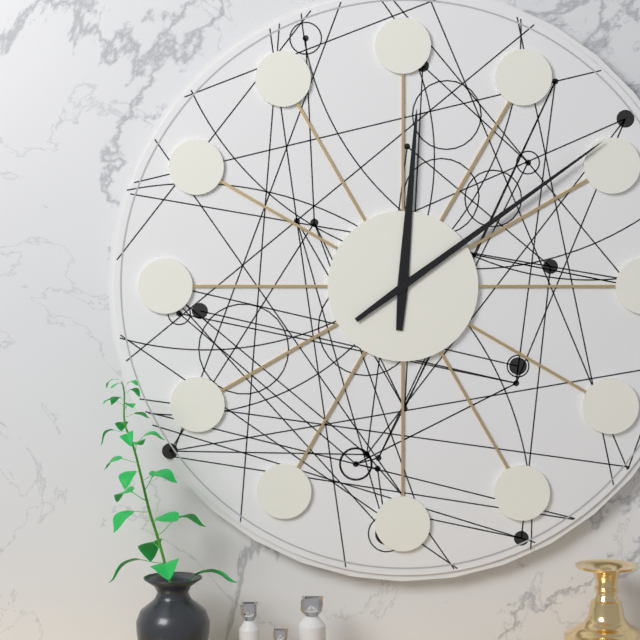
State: h=12 m=9
